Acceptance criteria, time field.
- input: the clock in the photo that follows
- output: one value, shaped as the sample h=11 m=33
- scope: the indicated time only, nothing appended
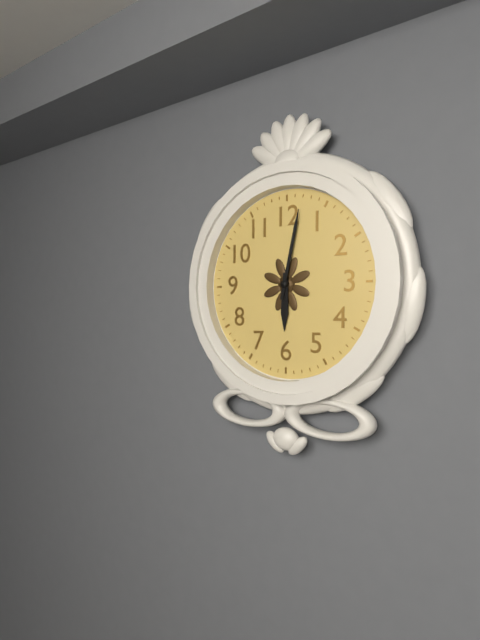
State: h=6 m=2
